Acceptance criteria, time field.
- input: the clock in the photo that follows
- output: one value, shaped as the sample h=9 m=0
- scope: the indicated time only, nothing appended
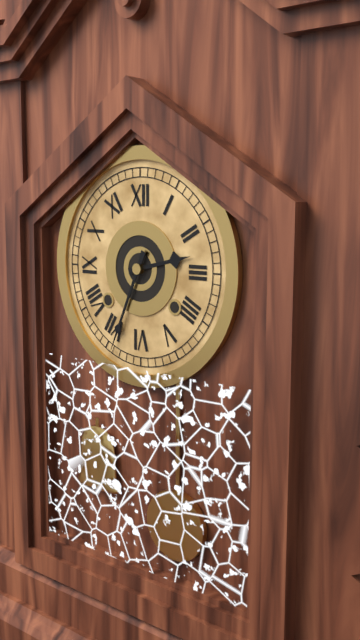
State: h=2 m=34
